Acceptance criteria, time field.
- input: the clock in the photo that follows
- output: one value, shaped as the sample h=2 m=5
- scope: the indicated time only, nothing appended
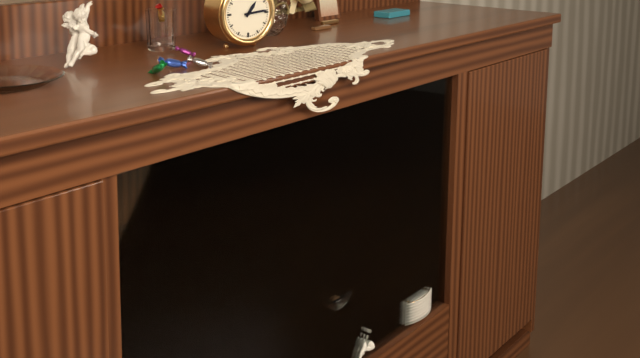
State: h=1 m=14
